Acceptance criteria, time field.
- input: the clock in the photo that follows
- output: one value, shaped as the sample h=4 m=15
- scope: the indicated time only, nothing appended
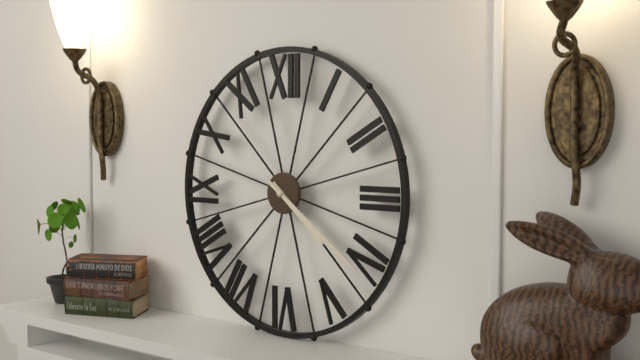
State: h=4 m=21
